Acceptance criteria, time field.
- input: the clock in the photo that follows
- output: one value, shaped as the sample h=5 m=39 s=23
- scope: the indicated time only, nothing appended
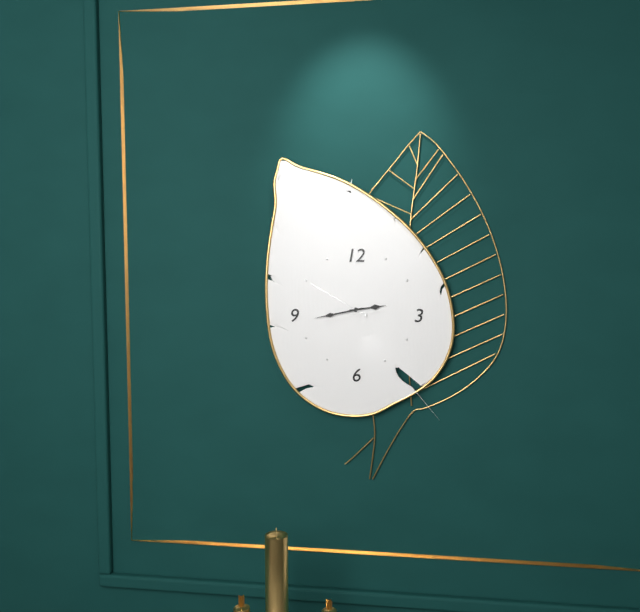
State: h=2 m=43 s=50
